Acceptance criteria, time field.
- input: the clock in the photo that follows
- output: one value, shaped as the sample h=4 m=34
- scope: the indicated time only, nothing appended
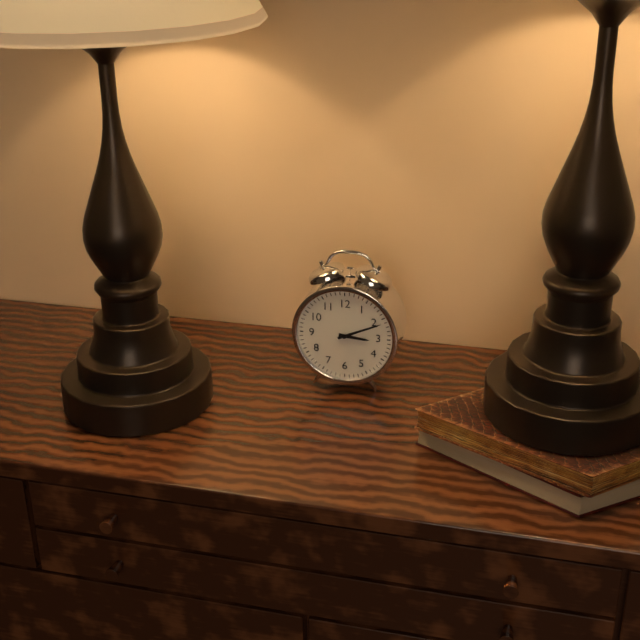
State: h=3 m=11
